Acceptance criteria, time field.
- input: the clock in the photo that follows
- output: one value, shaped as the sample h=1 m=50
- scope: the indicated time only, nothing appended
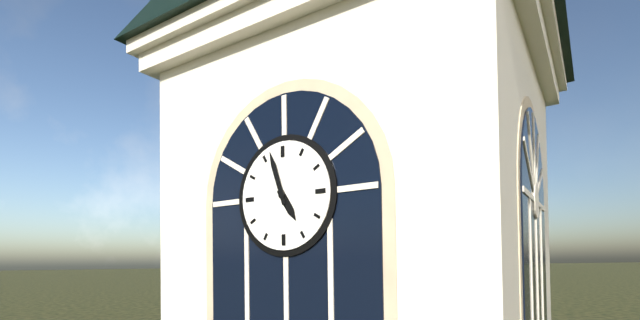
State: h=4 m=57
